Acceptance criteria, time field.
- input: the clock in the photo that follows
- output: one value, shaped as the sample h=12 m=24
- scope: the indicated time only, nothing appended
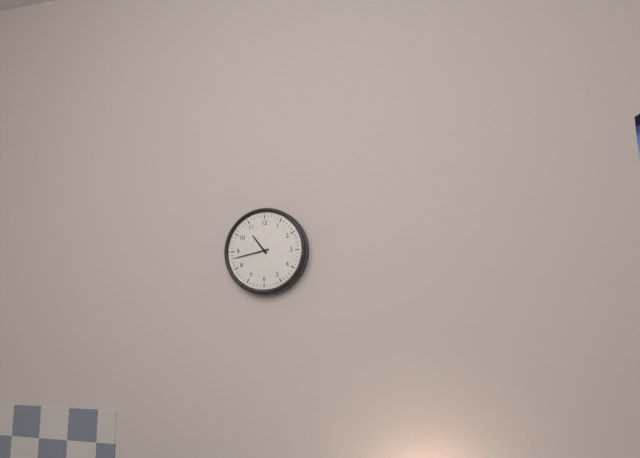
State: h=10 m=43
